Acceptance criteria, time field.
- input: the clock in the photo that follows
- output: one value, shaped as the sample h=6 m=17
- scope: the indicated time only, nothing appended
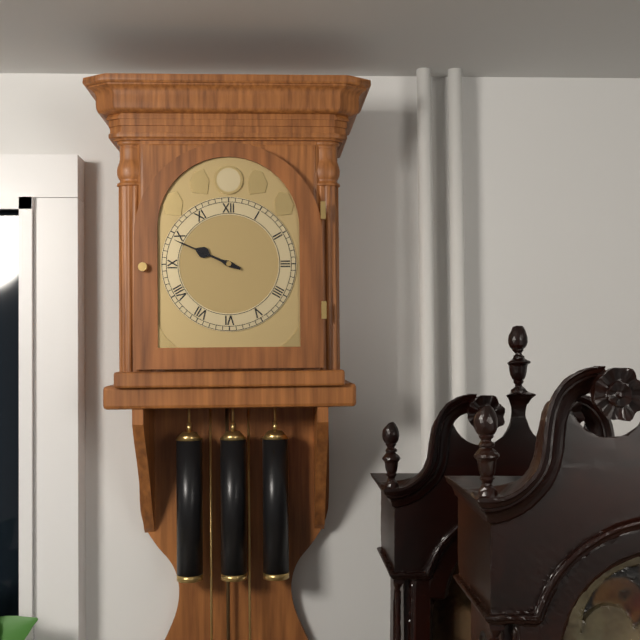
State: h=9 m=49
